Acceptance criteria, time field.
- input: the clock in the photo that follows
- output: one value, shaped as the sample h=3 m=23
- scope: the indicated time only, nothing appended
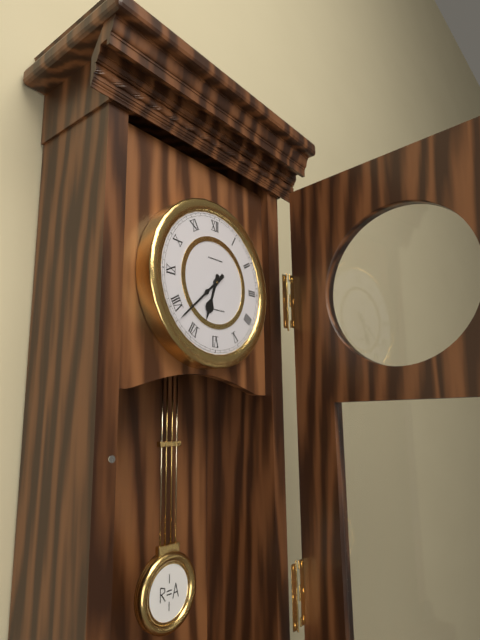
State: h=6 m=38
